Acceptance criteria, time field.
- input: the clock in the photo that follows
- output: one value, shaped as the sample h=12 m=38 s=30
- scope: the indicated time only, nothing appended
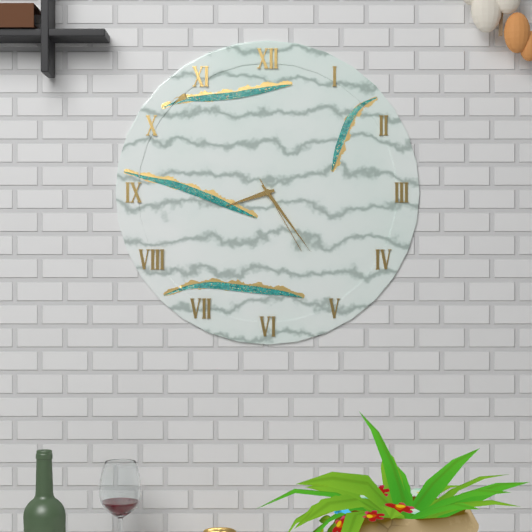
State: h=8 m=24 s=25
